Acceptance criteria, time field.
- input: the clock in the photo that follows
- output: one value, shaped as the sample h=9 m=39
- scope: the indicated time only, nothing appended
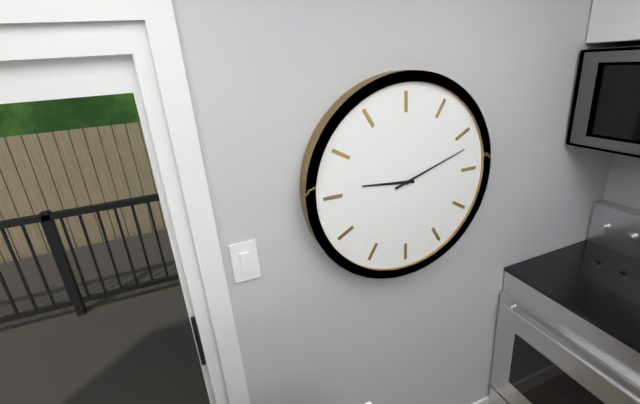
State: h=9 m=12
